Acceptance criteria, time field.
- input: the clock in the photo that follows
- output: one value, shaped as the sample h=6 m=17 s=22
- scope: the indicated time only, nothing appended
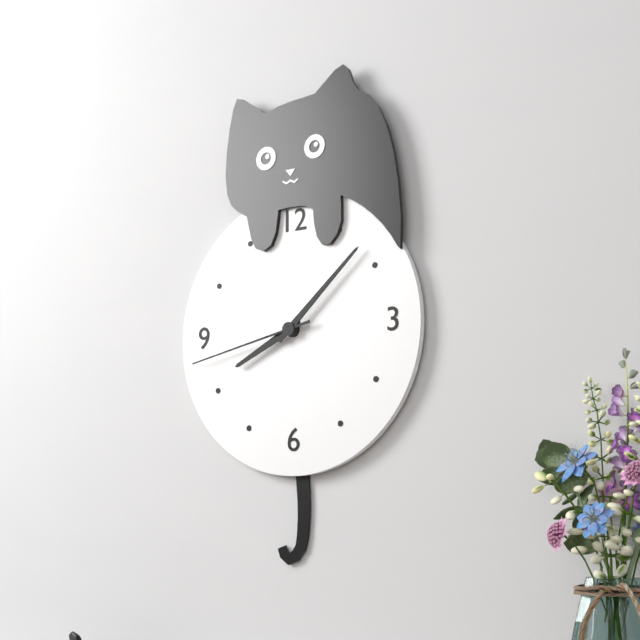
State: h=8 m=8 s=43
